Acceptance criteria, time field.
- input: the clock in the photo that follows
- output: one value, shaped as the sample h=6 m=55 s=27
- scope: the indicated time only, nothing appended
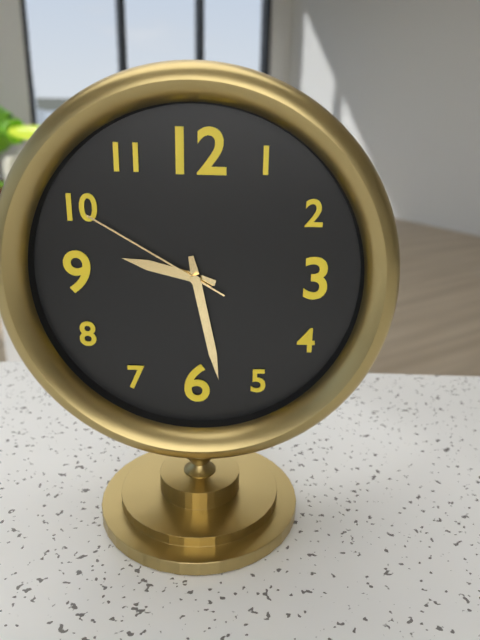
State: h=9 m=28 s=50
